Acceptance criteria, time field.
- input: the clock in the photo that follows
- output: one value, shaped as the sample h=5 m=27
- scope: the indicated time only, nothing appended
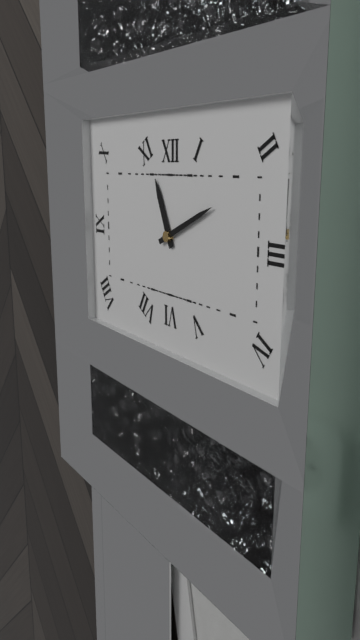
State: h=11 m=11
